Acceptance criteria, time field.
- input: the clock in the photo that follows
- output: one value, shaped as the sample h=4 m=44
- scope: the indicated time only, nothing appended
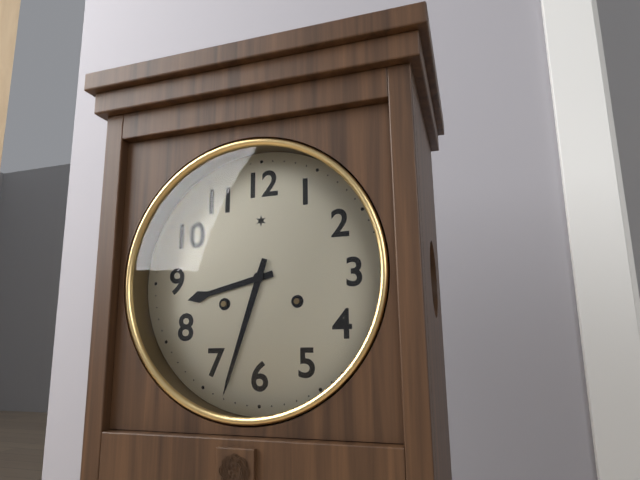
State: h=8 m=33
